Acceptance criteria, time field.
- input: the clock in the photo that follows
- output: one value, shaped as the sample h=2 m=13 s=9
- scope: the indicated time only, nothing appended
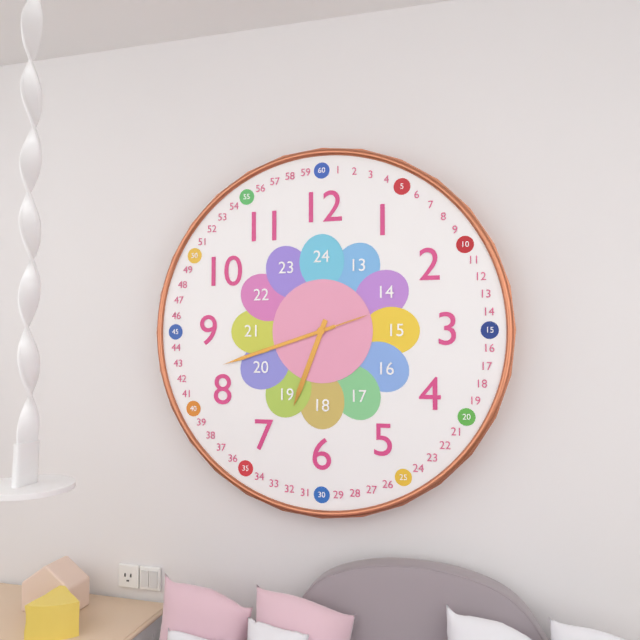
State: h=6 m=42 s=12
